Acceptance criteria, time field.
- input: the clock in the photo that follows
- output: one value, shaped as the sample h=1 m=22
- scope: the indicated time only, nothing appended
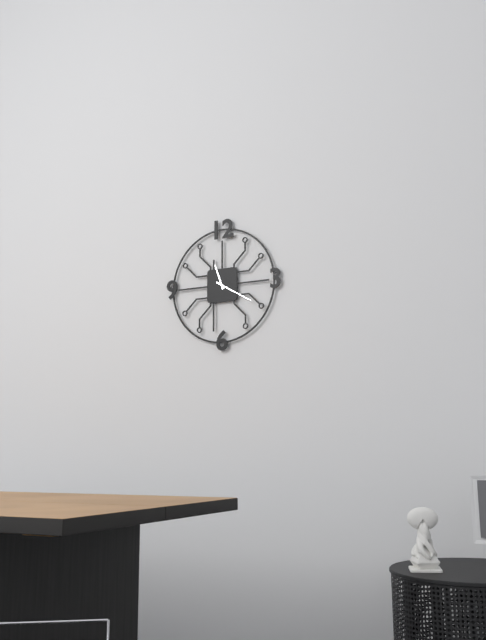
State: h=11 m=20
